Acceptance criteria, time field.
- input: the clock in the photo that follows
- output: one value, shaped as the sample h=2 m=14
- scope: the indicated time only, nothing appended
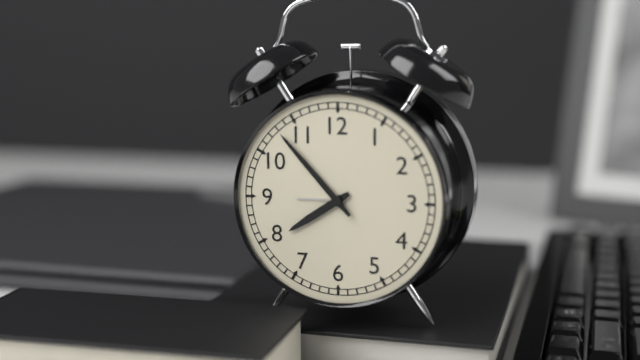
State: h=7 m=53
